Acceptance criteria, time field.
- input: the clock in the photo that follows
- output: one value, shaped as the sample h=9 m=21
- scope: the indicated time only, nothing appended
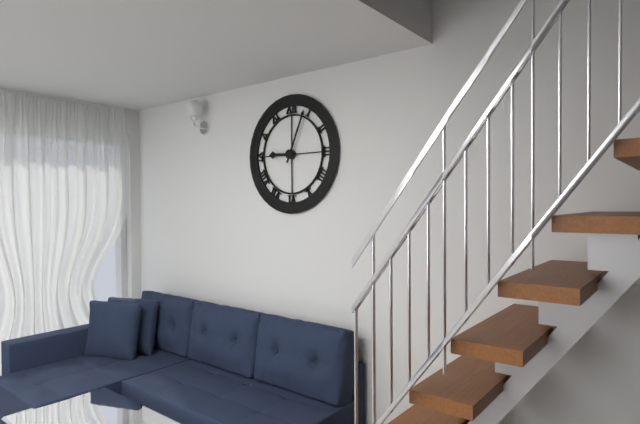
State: h=9 m=4
